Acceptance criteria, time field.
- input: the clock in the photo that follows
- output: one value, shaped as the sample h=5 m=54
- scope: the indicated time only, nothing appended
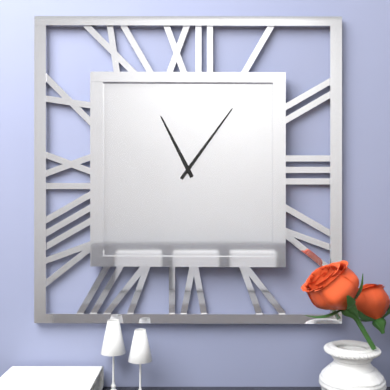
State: h=11 m=6
